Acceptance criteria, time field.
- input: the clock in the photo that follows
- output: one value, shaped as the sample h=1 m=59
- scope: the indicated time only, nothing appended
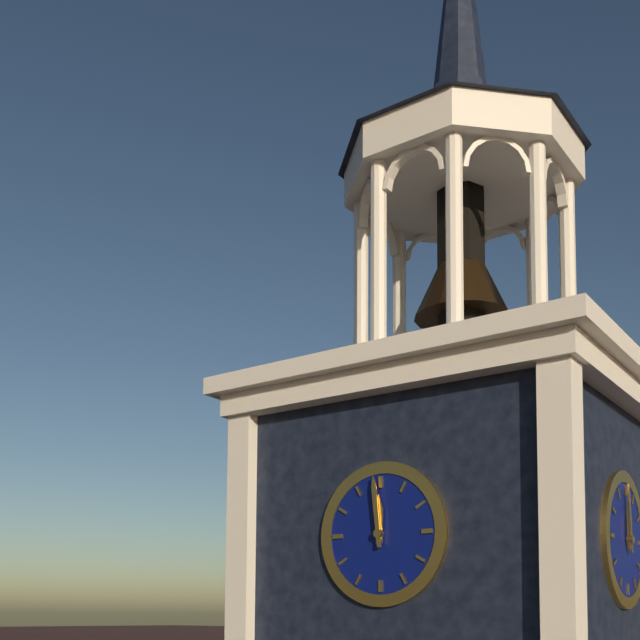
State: h=11 m=59
